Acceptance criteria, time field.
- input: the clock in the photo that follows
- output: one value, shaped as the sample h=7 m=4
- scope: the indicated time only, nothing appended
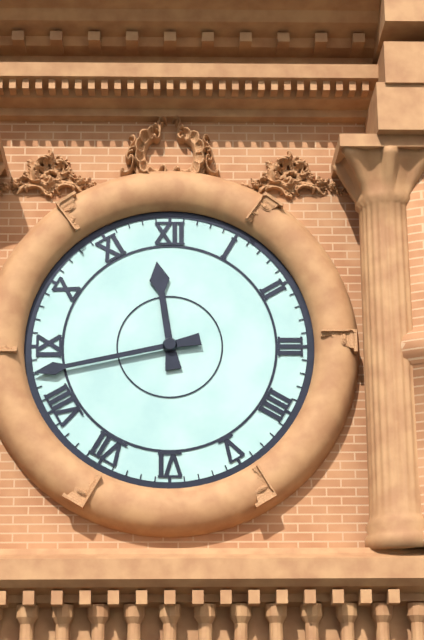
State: h=11 m=43
